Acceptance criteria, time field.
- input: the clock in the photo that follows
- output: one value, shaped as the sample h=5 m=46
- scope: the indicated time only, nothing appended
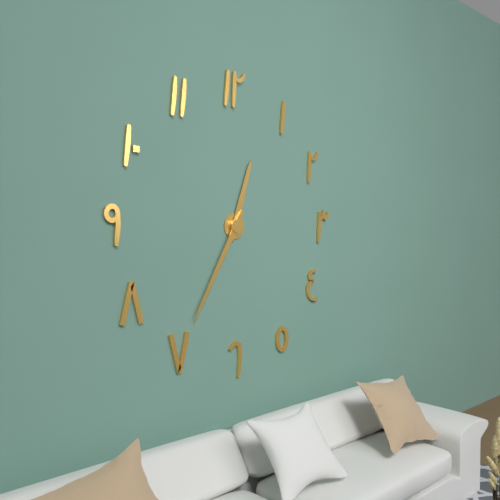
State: h=12 m=35
